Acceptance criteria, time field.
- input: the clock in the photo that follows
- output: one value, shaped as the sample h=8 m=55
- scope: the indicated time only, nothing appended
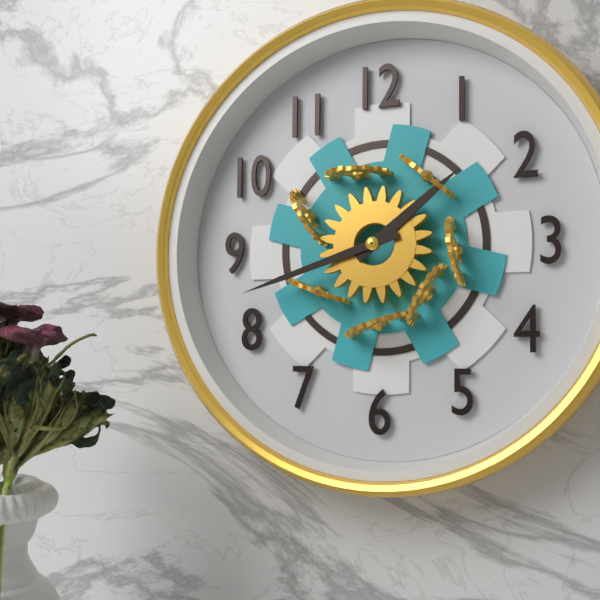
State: h=1 m=42
